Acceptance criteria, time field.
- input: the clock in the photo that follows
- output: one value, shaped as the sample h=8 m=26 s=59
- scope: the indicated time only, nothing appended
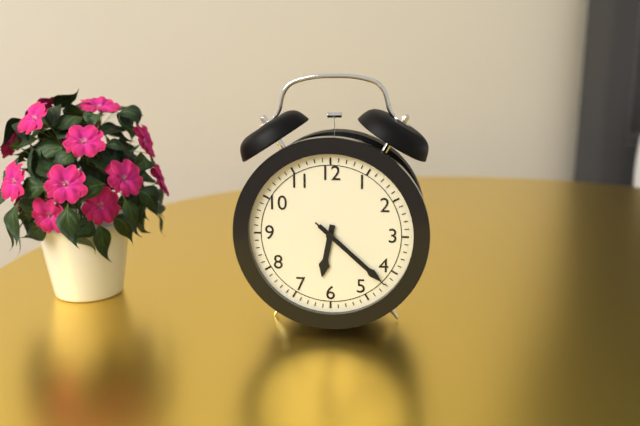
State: h=6 m=22 s=22
